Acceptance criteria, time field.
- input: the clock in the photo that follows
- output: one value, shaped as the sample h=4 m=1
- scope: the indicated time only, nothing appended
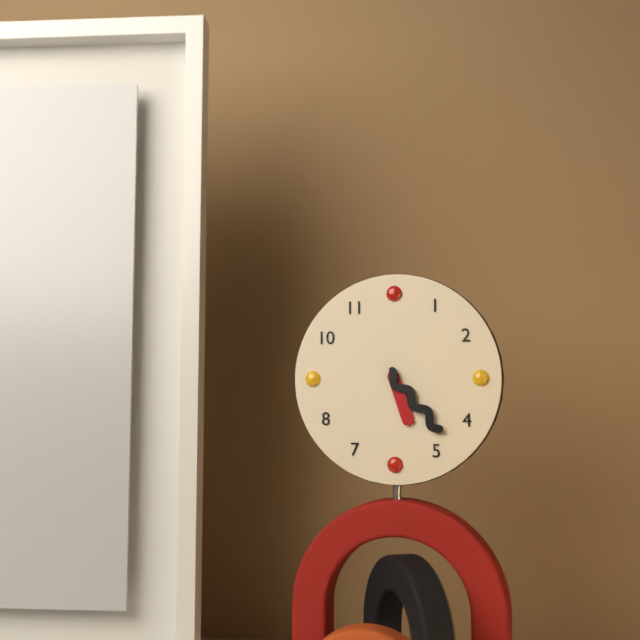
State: h=5 m=23
